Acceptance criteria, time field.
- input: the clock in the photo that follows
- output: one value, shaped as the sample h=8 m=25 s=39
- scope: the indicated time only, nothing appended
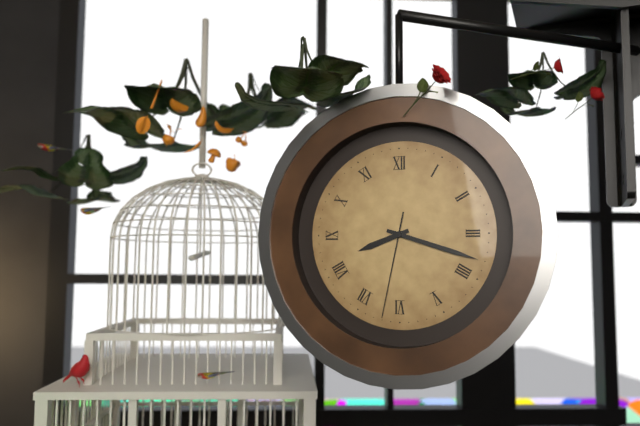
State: h=8 m=18 s=32
